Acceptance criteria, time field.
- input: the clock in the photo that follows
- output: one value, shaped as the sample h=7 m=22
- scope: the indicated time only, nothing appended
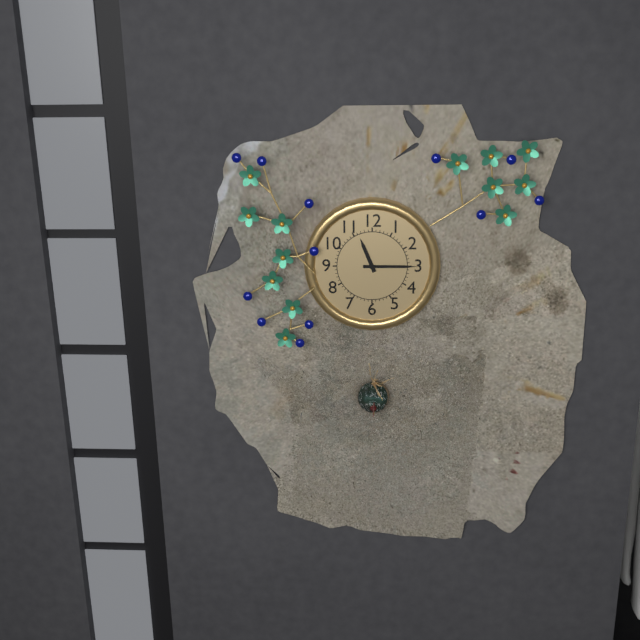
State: h=11 m=15
